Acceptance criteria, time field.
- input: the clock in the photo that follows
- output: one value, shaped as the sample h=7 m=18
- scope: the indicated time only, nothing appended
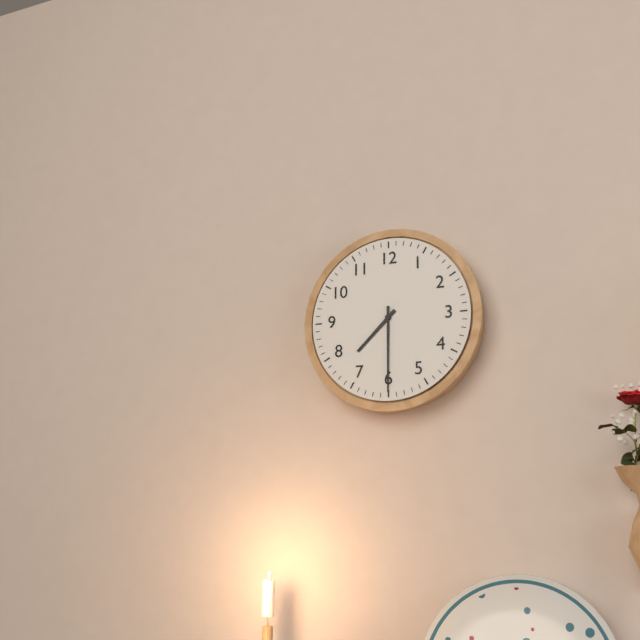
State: h=7 m=30
